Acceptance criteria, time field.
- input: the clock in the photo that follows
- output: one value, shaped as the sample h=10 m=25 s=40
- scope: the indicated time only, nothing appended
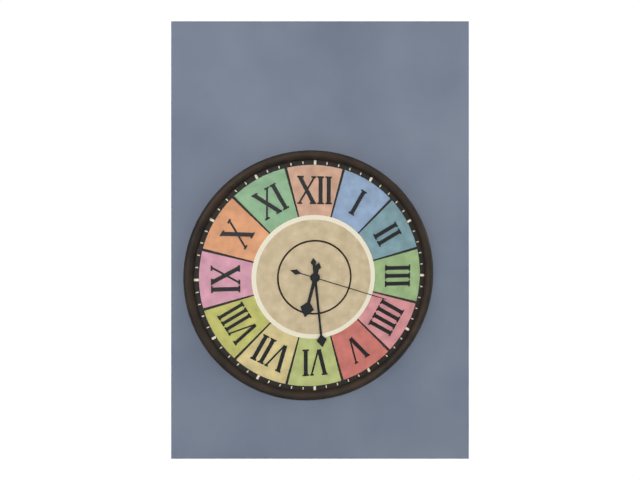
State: h=6 m=29 s=18
